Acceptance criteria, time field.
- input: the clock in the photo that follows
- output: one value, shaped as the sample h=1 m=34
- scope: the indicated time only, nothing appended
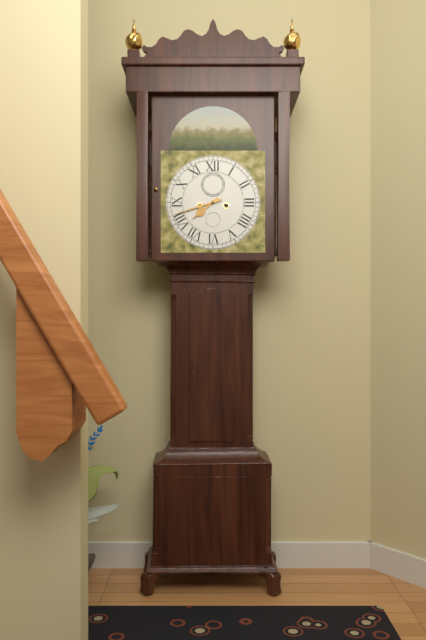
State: h=7 m=42
